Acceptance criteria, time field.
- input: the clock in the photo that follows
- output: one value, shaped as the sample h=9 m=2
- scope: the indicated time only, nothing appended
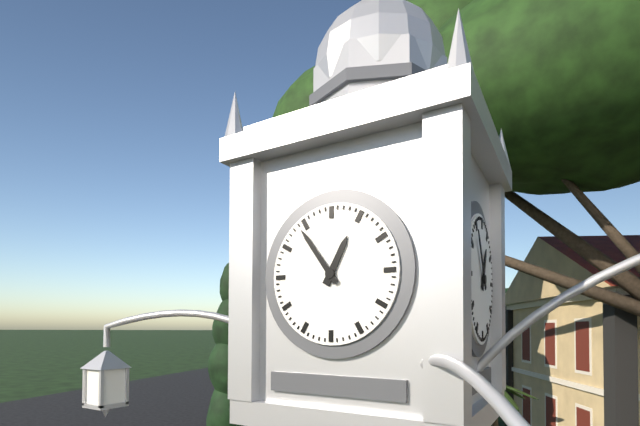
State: h=12 m=54
